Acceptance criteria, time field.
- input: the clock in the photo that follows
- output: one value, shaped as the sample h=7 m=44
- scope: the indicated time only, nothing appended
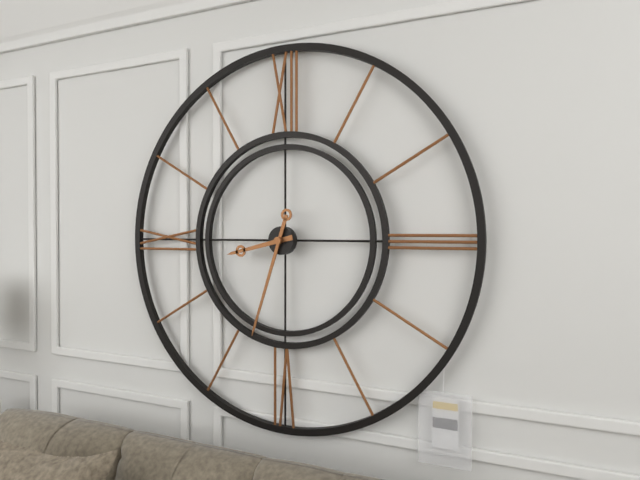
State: h=8 m=33
